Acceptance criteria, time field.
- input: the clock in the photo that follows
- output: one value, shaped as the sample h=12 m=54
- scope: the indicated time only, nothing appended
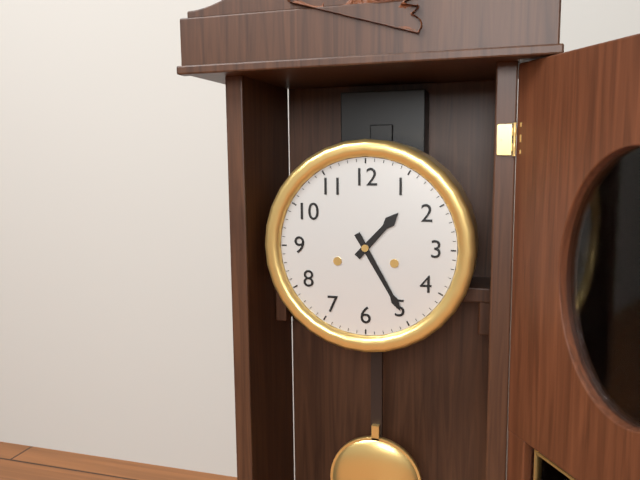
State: h=1 m=25
